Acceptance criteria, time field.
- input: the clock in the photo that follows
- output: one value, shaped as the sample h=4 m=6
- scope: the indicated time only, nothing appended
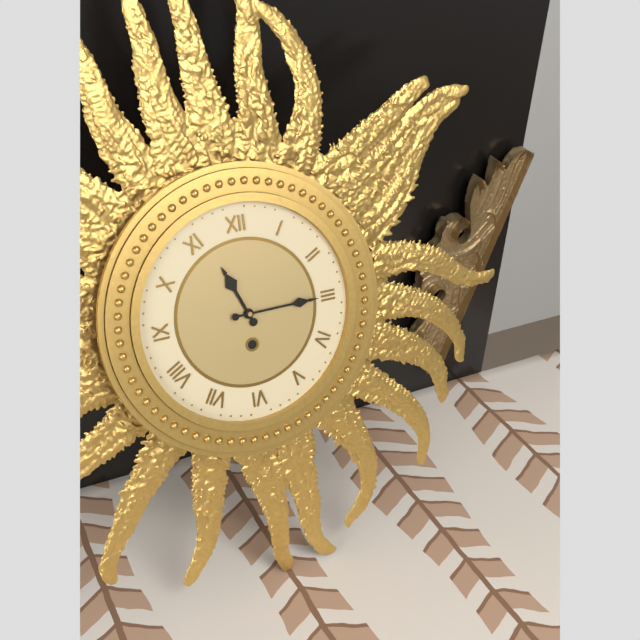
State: h=11 m=15
